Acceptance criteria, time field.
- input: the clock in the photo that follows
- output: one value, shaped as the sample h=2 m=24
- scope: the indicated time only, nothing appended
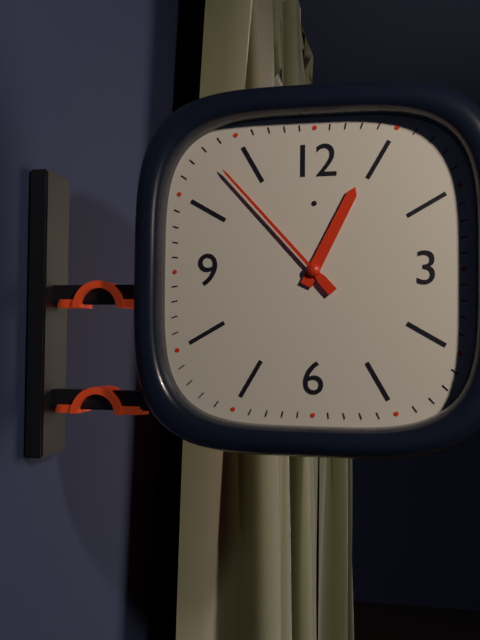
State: h=12 m=53
